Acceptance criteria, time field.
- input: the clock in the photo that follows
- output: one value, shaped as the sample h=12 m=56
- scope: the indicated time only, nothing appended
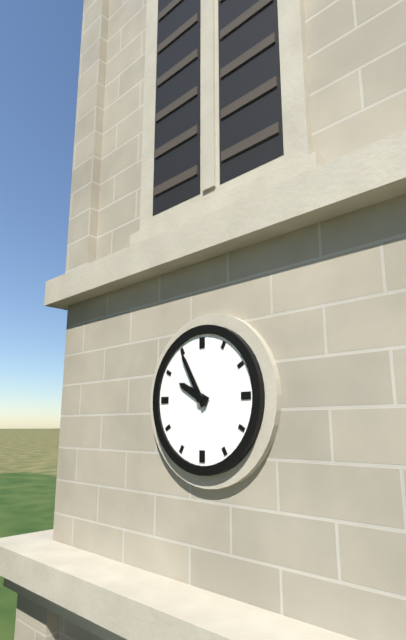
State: h=9 m=55
